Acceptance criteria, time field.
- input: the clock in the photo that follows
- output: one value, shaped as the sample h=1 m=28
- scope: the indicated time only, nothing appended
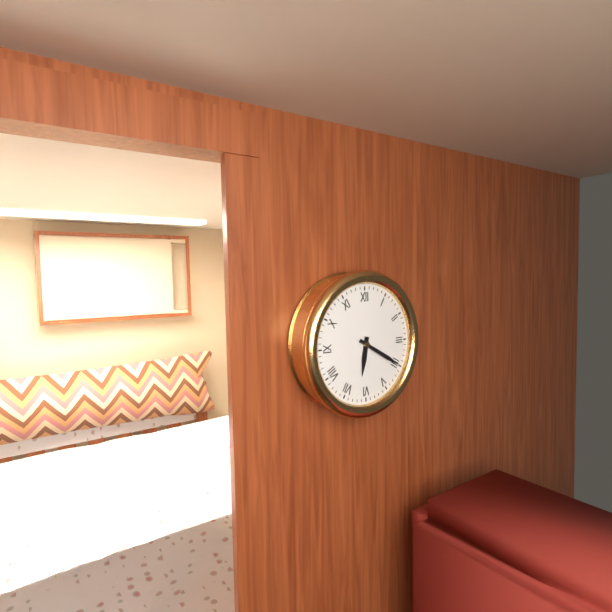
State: h=6 m=20
